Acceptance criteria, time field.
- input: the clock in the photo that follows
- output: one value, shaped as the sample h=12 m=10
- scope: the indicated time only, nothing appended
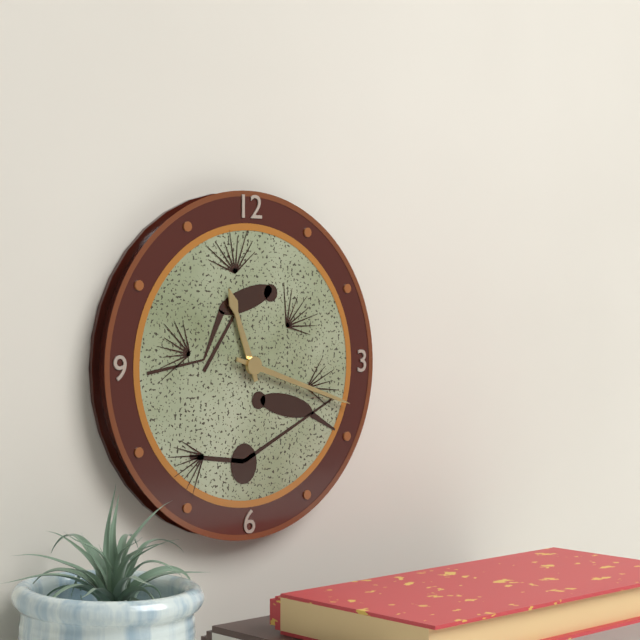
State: h=11 m=18
